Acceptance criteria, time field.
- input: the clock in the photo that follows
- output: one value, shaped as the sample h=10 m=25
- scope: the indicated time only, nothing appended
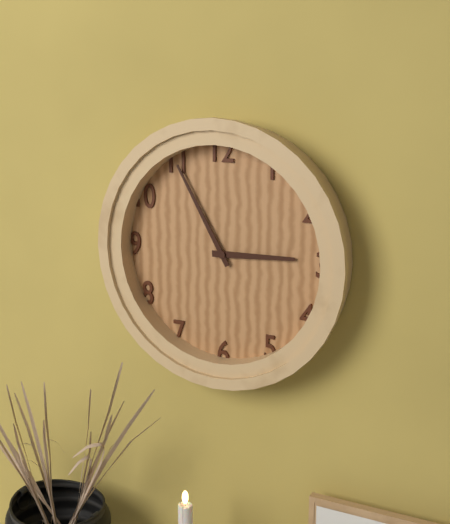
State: h=2 m=55
